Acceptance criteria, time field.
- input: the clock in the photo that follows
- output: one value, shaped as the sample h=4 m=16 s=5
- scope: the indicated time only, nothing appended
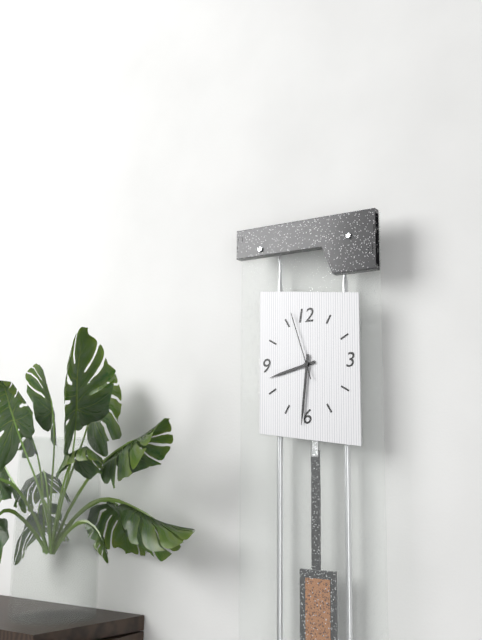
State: h=8 m=31 s=57
